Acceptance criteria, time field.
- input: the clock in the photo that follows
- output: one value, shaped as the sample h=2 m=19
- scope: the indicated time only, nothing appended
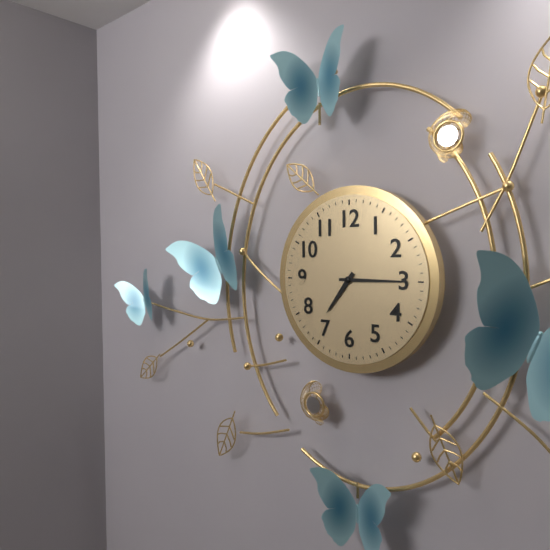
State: h=7 m=15
